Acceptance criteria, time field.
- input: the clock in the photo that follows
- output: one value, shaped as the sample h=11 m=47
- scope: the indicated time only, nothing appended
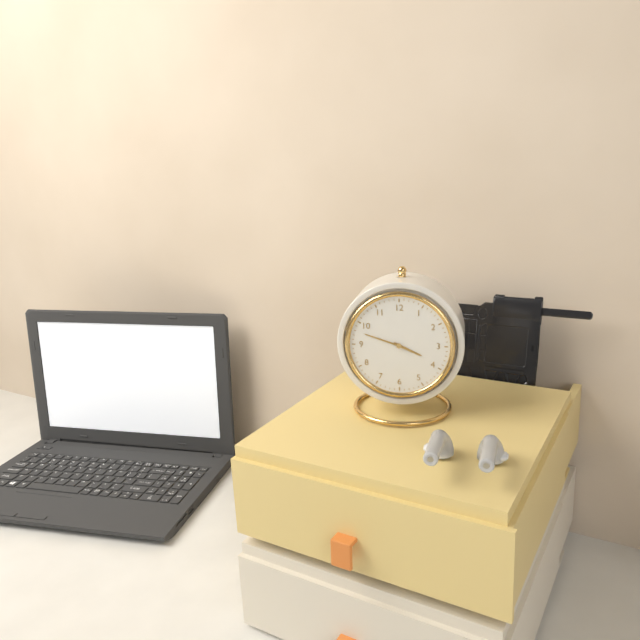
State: h=3 m=48
